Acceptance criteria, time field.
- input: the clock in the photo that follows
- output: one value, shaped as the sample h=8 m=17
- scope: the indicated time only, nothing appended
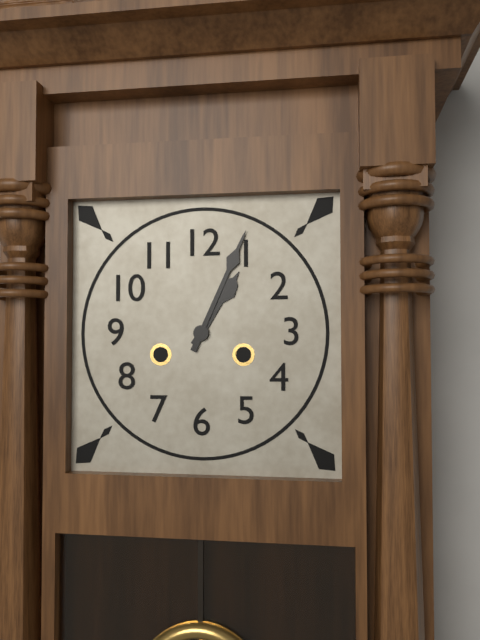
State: h=1 m=4
